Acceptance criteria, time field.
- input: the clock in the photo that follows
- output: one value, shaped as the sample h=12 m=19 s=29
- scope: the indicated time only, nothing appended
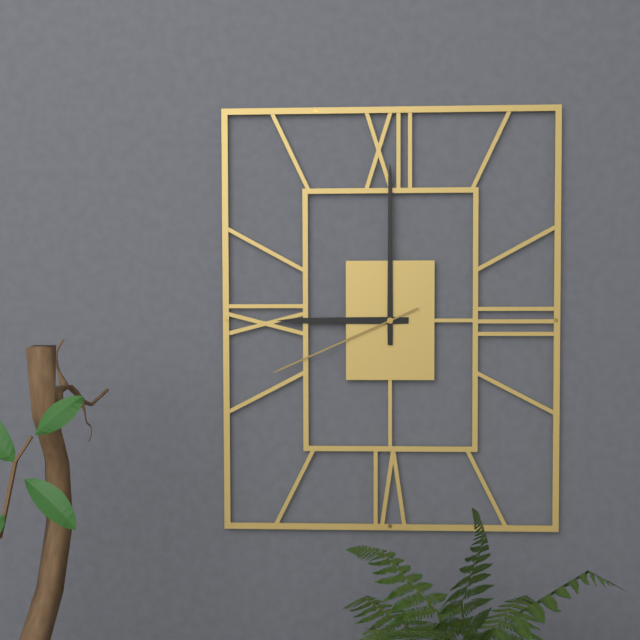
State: h=9 m=0 s=41
